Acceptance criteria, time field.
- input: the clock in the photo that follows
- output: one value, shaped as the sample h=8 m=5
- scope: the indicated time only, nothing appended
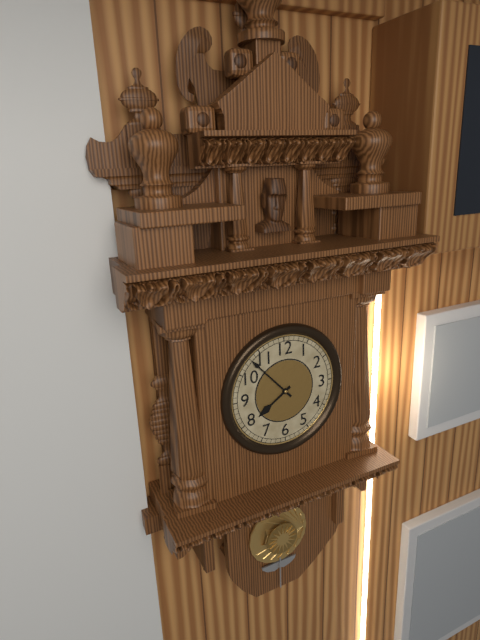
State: h=7 m=53
